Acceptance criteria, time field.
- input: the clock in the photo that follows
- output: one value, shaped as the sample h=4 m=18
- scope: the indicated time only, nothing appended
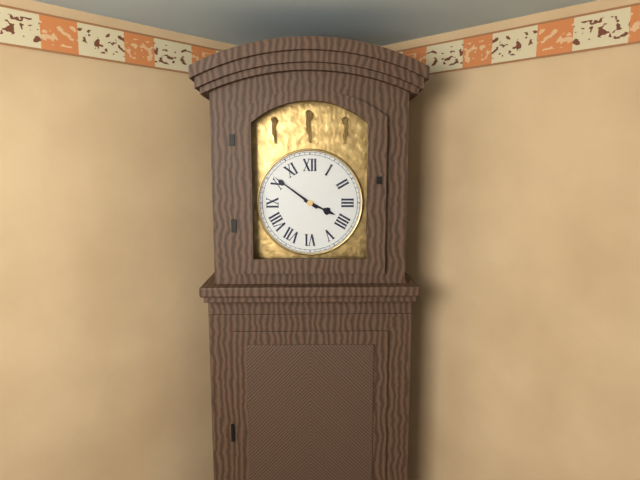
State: h=3 m=51
